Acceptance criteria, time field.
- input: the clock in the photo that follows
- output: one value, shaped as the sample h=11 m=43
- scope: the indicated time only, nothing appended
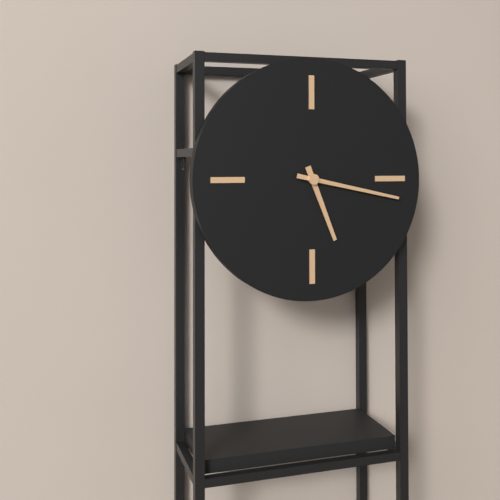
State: h=5 m=17
